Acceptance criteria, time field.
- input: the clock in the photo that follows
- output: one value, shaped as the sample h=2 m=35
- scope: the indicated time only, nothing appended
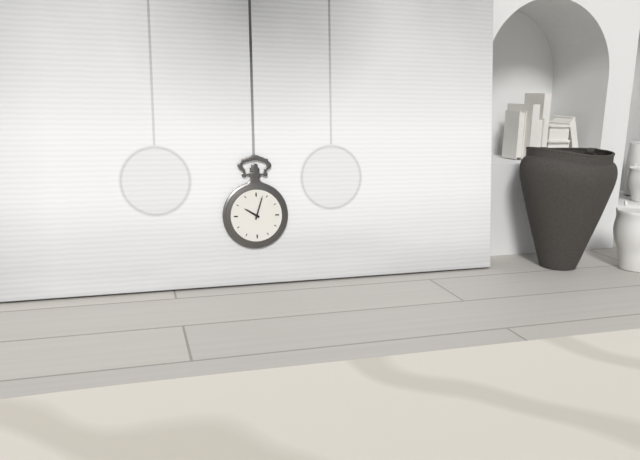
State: h=10 m=3
